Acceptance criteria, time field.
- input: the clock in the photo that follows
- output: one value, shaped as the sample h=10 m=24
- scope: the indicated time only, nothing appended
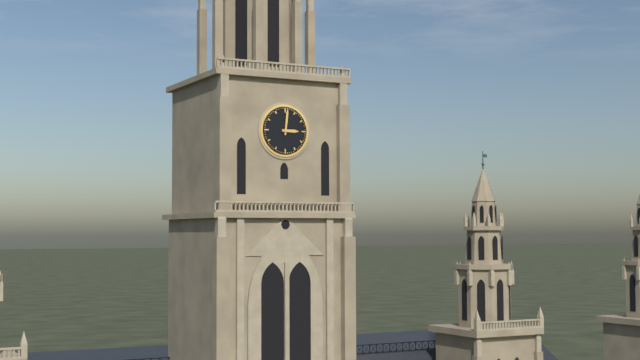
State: h=3 m=1
